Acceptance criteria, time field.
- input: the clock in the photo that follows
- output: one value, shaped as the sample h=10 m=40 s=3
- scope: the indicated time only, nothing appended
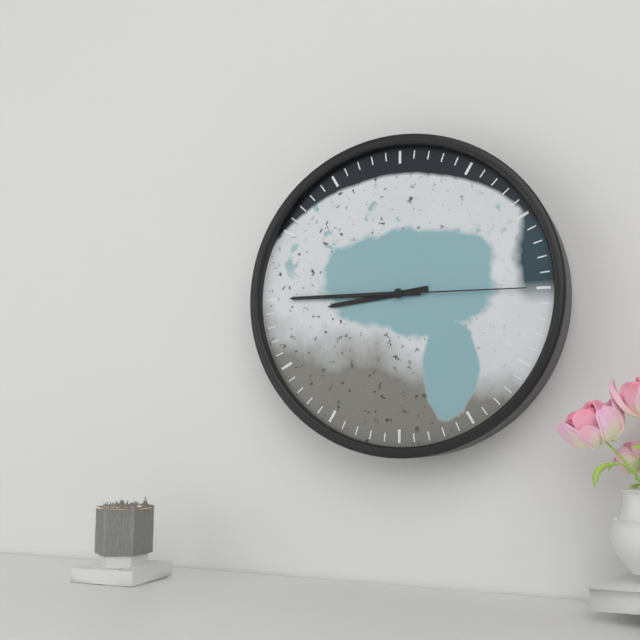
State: h=8 m=45 s=15
